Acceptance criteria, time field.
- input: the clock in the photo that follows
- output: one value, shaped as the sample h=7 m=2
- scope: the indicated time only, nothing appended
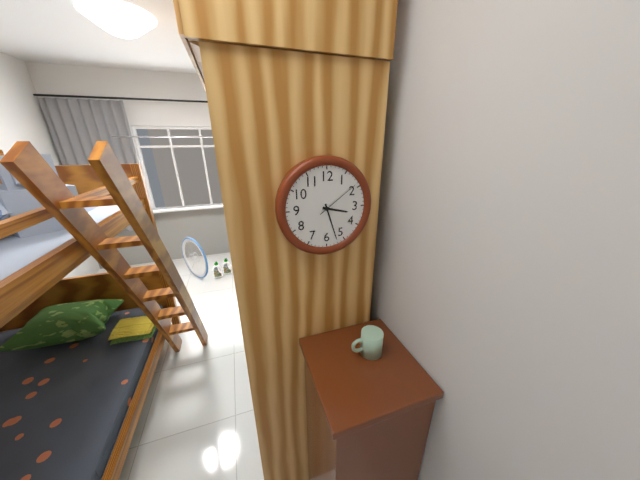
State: h=3 m=27
